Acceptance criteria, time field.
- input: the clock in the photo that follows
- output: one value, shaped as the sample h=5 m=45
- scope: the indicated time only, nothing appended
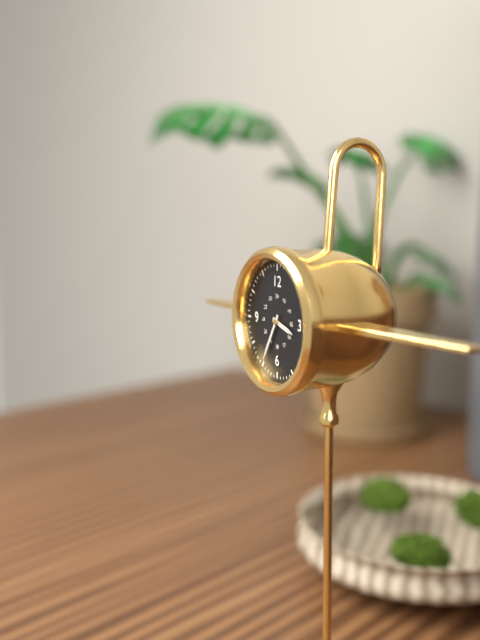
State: h=3 m=35
